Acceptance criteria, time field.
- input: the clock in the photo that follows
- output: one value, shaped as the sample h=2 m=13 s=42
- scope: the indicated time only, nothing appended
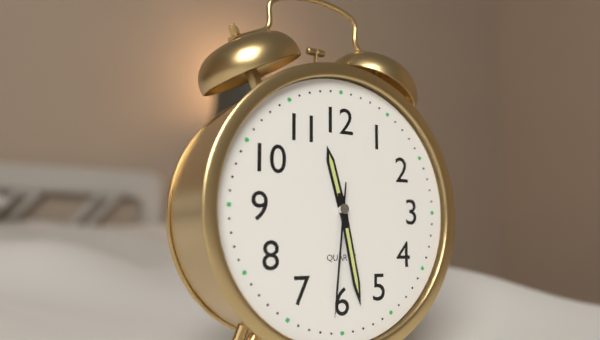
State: h=11 m=28 s=31
